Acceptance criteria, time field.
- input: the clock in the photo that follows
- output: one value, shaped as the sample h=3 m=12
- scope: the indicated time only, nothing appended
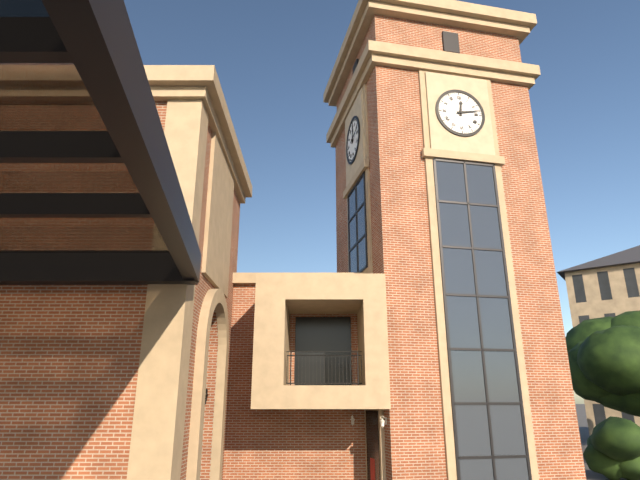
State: h=12 m=13
